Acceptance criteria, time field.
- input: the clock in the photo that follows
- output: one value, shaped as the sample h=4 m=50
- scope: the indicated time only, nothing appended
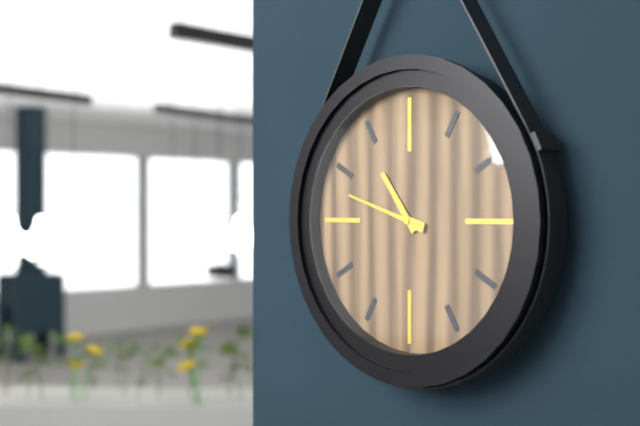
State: h=10 m=48
